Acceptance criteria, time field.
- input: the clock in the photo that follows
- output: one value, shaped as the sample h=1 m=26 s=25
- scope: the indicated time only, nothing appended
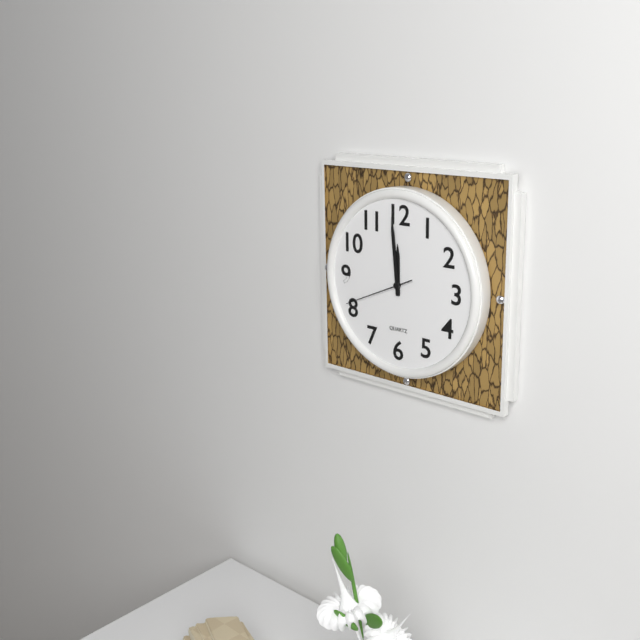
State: h=11 m=59 s=41
